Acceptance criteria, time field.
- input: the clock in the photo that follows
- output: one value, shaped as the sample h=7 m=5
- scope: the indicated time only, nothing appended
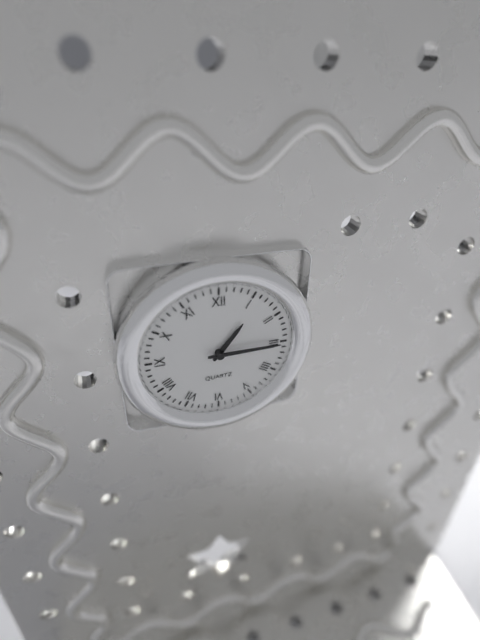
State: h=1 m=15
